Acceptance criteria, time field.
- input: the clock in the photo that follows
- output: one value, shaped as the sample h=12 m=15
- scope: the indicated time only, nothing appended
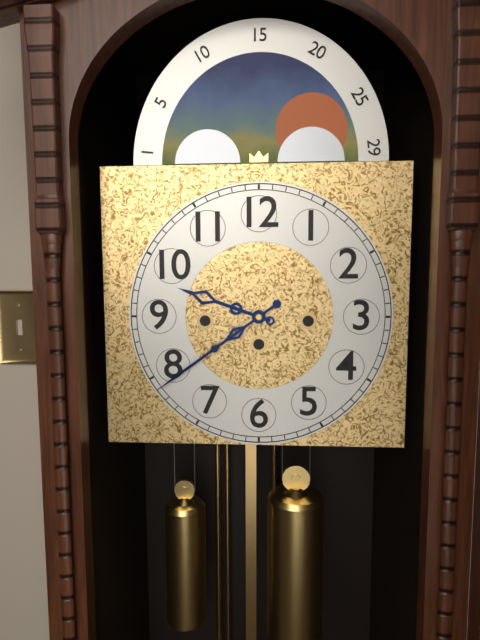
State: h=9 m=39
